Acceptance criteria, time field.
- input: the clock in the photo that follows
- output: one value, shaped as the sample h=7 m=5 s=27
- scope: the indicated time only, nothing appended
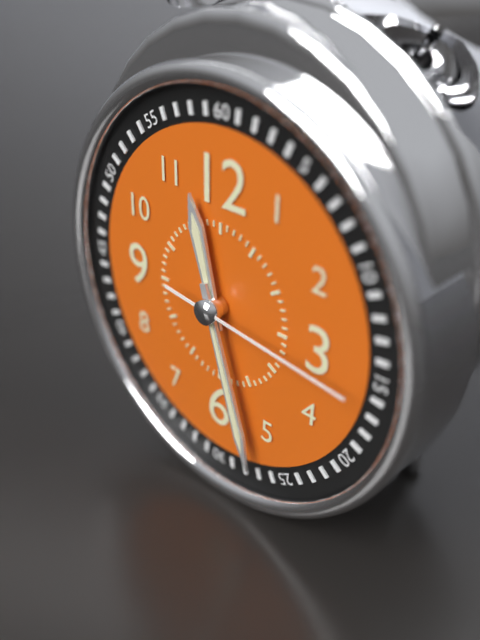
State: h=11 m=27 s=16
